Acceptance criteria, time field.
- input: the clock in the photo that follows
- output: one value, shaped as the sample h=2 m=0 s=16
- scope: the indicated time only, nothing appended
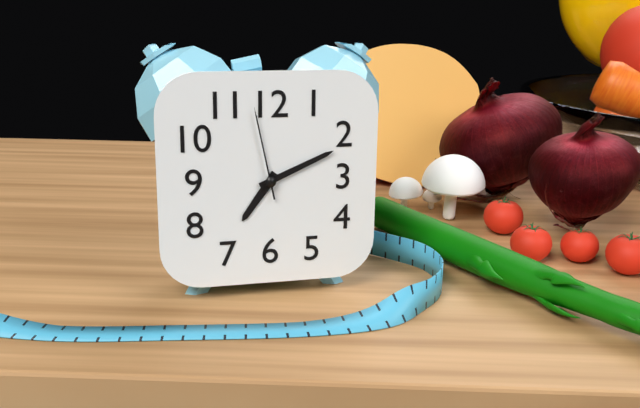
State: h=7 m=11 s=58
